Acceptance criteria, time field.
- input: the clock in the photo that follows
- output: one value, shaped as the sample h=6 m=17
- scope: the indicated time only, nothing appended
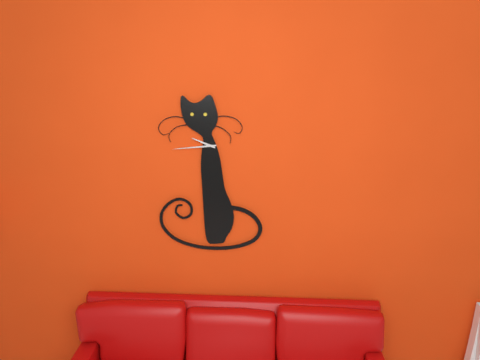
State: h=9 m=44
